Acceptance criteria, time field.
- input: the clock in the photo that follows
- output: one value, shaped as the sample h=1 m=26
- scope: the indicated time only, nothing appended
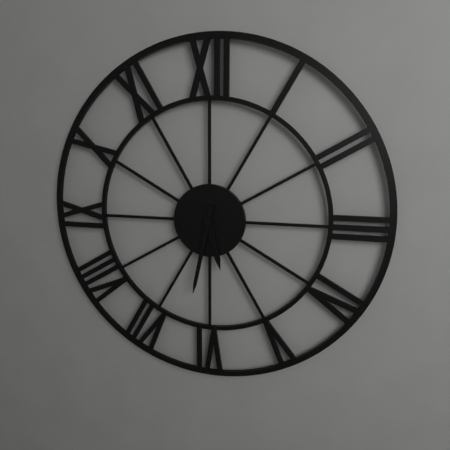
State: h=5 m=32
